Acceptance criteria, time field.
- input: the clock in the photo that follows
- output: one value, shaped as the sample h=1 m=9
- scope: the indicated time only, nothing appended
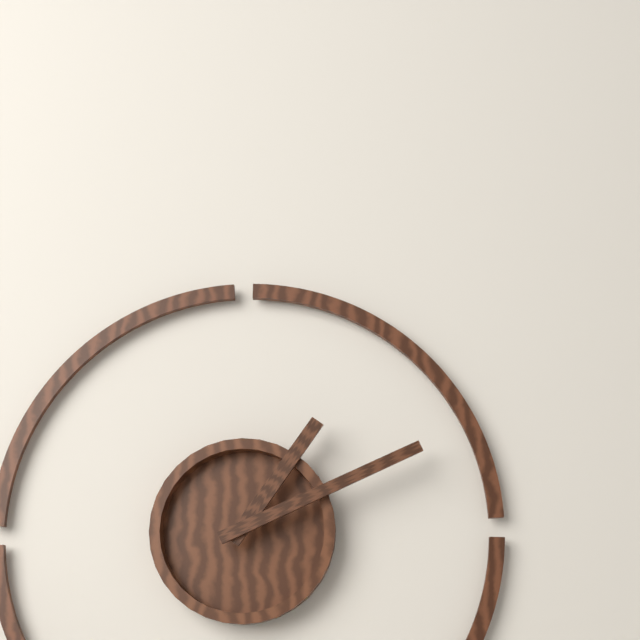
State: h=1 m=11
